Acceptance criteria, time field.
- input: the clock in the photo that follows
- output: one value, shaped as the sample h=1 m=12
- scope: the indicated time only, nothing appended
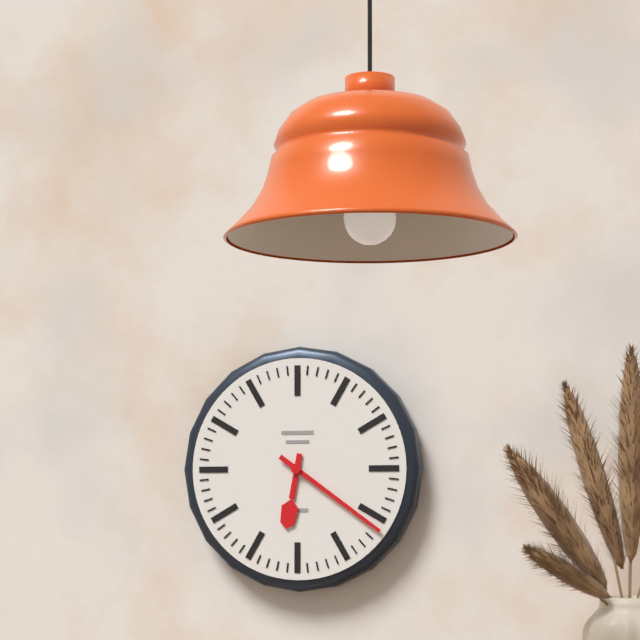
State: h=6 m=21
